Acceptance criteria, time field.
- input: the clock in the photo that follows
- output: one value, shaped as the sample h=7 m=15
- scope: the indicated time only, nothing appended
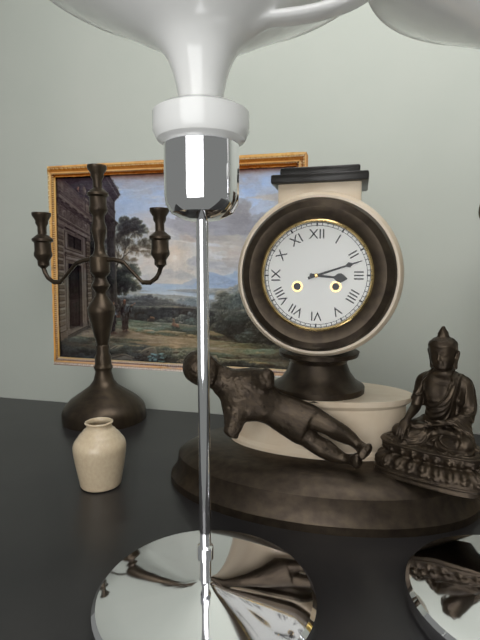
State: h=3 m=12
